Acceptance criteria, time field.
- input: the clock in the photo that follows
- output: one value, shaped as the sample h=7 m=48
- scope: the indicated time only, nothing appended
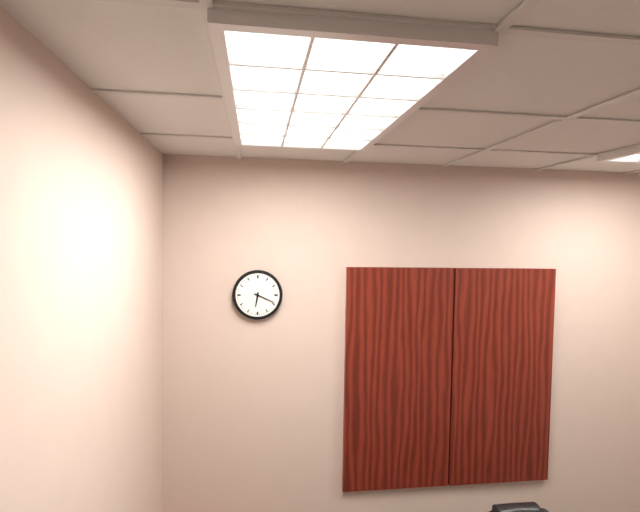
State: h=6 m=19
